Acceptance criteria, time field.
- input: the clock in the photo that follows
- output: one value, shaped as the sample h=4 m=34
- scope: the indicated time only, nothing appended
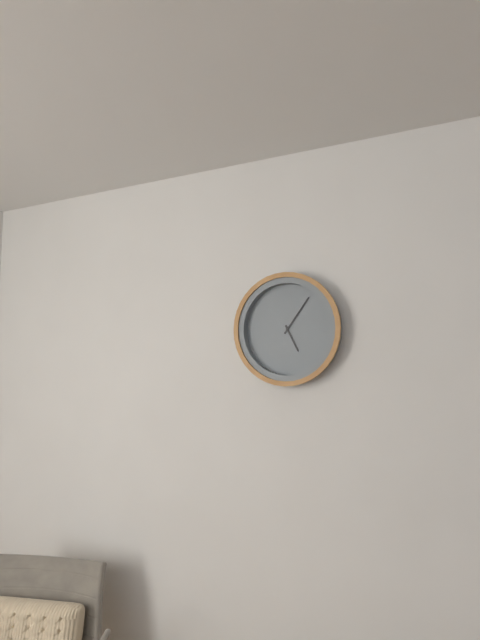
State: h=5 m=6
